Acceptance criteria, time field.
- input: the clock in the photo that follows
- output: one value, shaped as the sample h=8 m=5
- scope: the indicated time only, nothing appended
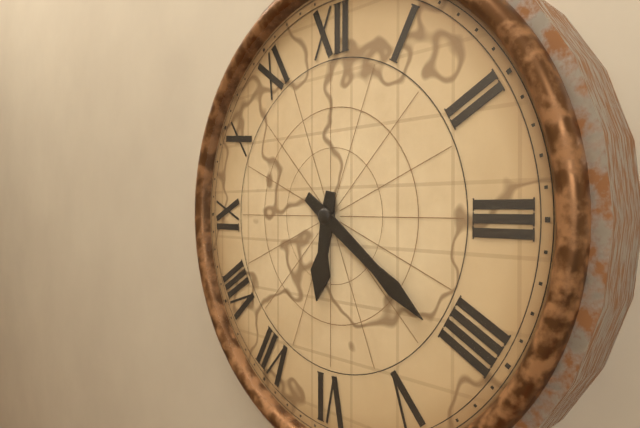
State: h=6 m=21
